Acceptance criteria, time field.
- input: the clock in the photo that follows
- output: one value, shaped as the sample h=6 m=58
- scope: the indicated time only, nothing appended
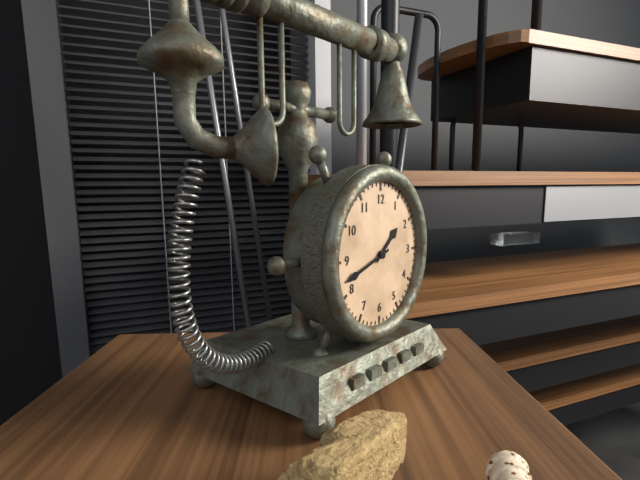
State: h=1 m=42
